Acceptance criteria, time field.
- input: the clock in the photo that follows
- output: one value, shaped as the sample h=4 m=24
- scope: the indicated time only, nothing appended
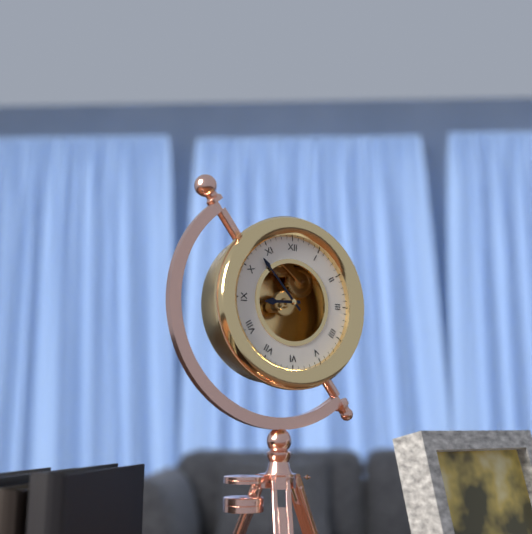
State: h=8 m=53
